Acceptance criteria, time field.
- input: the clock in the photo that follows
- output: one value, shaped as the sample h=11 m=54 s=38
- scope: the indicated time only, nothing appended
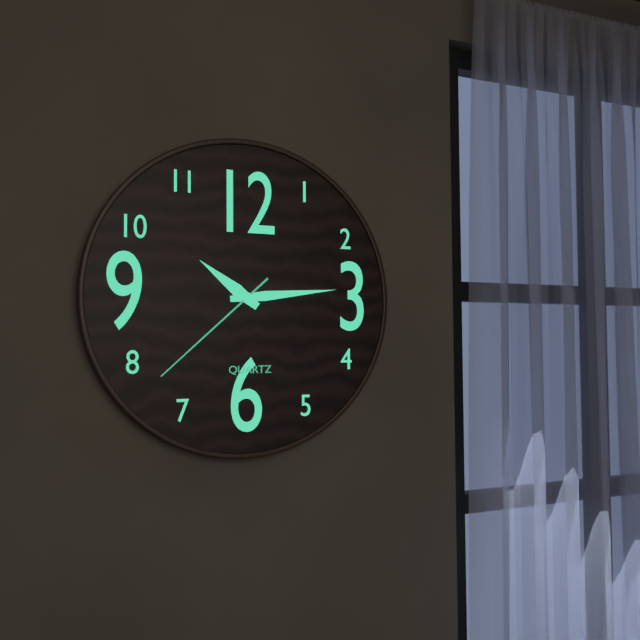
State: h=10 m=14 s=38
